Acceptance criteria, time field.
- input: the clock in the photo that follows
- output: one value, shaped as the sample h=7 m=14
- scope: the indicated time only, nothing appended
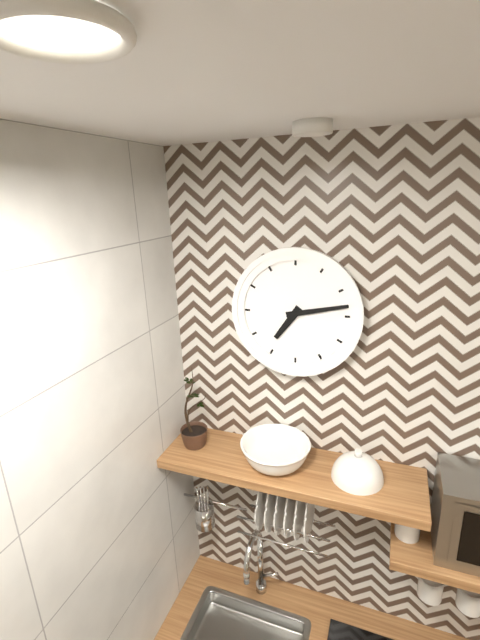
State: h=7 m=13
